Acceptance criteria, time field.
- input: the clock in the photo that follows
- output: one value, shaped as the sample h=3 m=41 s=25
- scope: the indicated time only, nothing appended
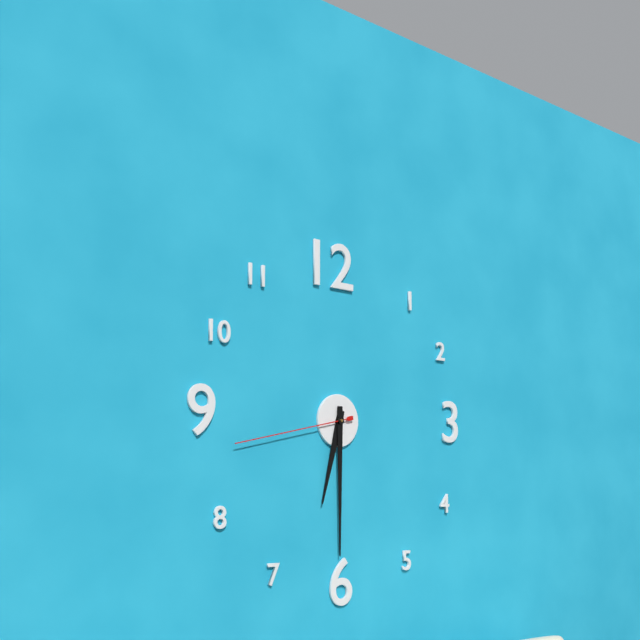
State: h=6 m=30 s=43
